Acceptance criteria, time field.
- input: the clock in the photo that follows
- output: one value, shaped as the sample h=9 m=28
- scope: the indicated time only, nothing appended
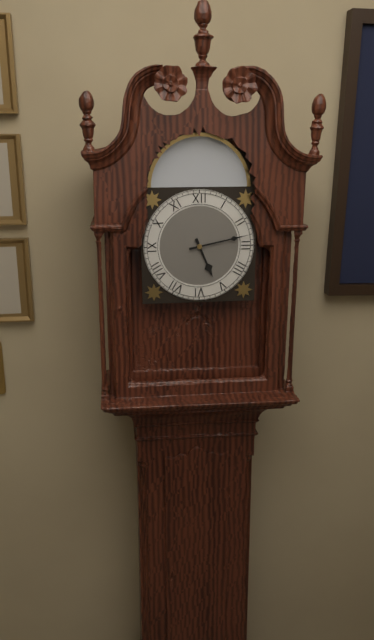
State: h=5 m=13
